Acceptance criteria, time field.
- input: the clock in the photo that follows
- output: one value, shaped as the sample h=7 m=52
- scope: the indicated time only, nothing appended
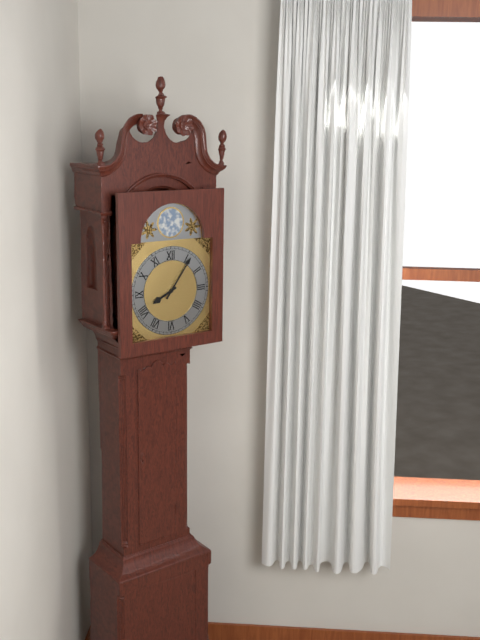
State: h=8 m=6
